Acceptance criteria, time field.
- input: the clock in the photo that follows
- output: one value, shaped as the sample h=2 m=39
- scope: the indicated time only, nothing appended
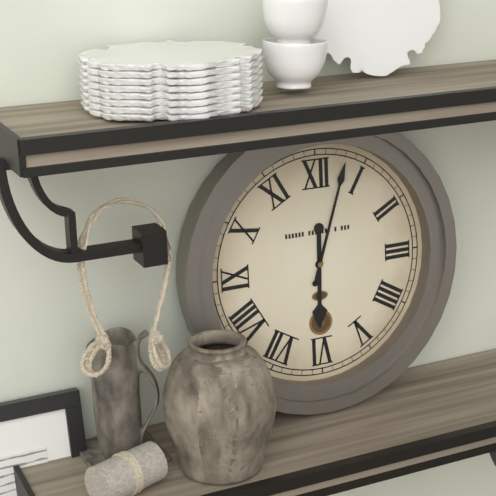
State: h=6 m=3
